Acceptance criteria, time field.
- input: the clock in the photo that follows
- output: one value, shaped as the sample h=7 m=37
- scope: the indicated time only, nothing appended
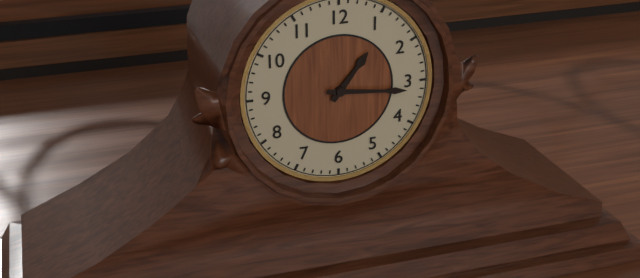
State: h=1 m=16
